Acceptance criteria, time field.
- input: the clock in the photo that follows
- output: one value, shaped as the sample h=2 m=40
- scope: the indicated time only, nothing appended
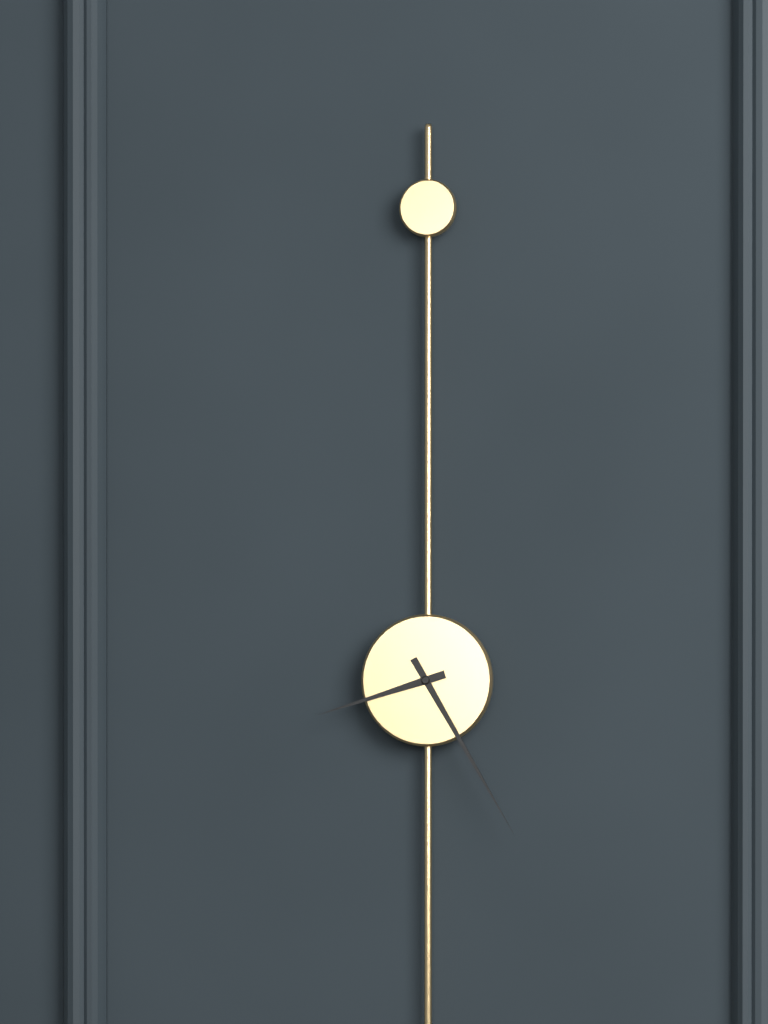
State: h=8 m=25
